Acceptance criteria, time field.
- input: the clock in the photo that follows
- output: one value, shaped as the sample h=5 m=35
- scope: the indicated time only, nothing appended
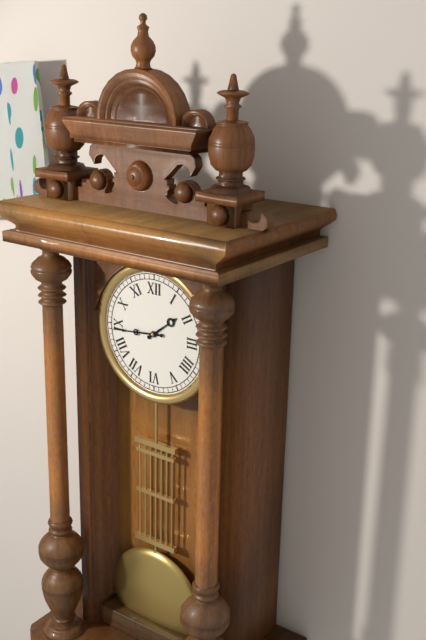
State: h=1 m=44
